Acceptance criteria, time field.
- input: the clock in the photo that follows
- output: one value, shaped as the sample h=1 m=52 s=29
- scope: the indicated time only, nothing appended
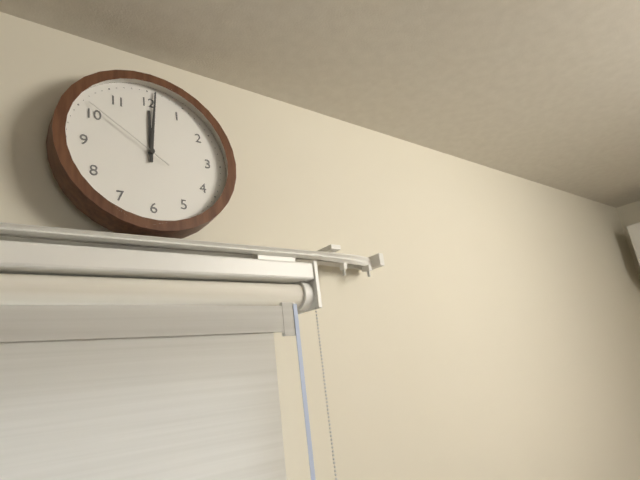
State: h=12 m=1 s=51
